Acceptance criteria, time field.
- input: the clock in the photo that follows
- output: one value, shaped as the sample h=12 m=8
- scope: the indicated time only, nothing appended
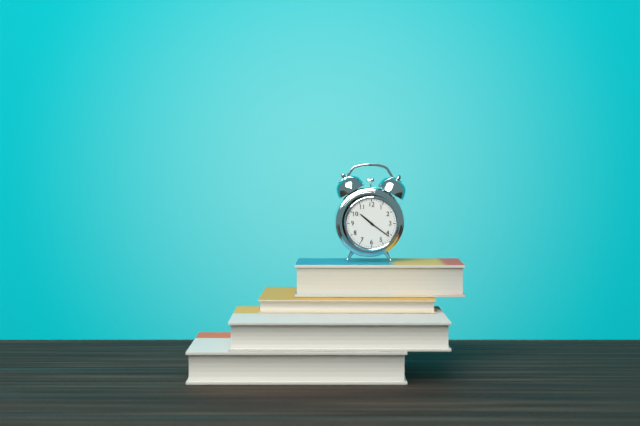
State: h=10 m=21
